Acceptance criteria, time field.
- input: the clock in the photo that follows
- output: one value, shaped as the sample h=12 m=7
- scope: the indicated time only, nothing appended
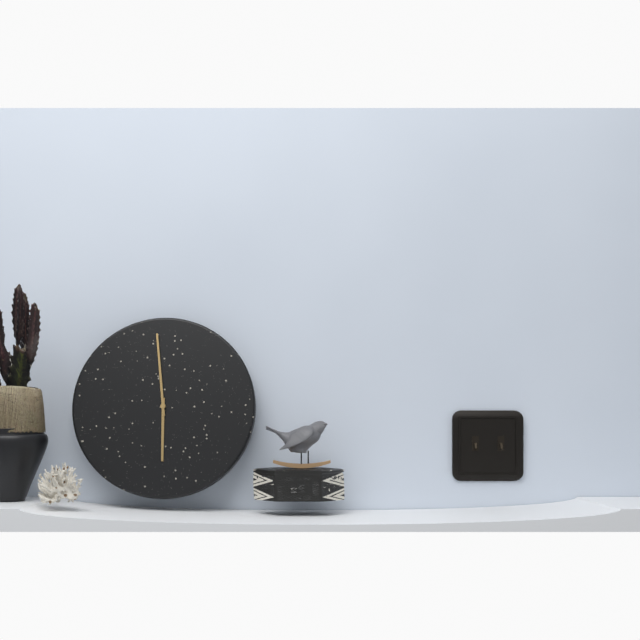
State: h=5 m=59
